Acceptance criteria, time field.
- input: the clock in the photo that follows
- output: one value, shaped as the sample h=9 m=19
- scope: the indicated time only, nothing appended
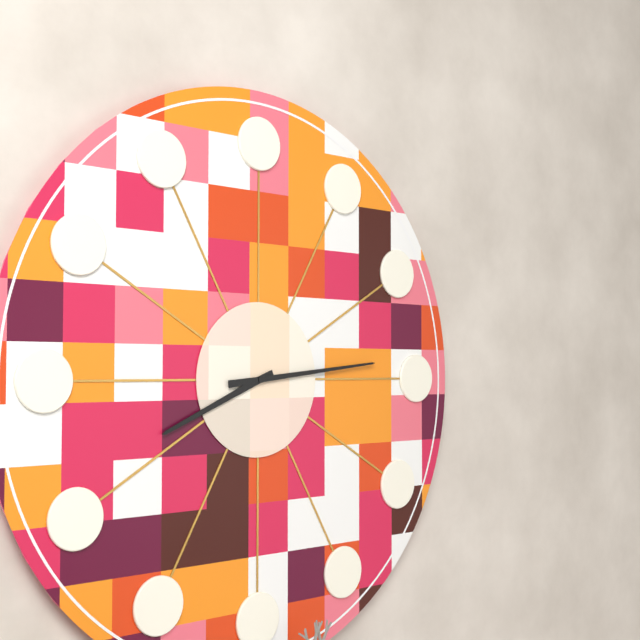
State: h=8 m=14
